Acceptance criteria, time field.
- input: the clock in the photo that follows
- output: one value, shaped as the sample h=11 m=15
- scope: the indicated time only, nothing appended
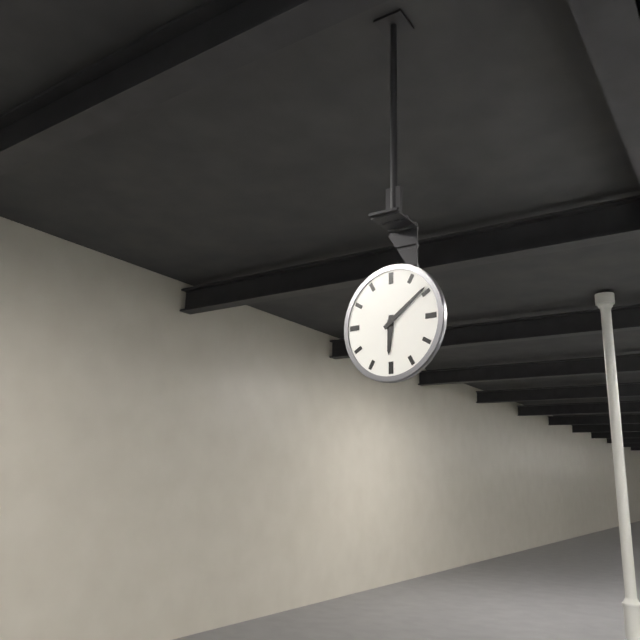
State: h=6 m=9
